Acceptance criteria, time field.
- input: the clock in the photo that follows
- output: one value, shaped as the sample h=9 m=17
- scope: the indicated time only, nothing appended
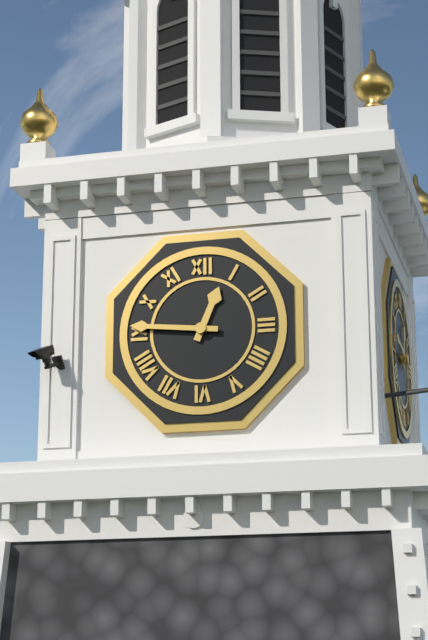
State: h=12 m=46
